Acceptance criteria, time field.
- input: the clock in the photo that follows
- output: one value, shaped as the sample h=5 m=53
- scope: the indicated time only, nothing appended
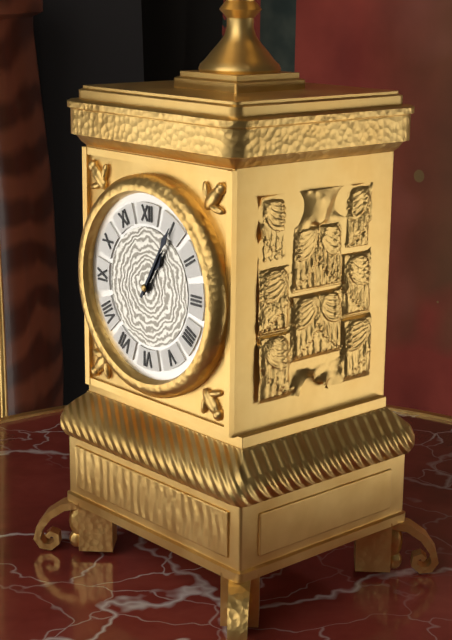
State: h=1 m=5
